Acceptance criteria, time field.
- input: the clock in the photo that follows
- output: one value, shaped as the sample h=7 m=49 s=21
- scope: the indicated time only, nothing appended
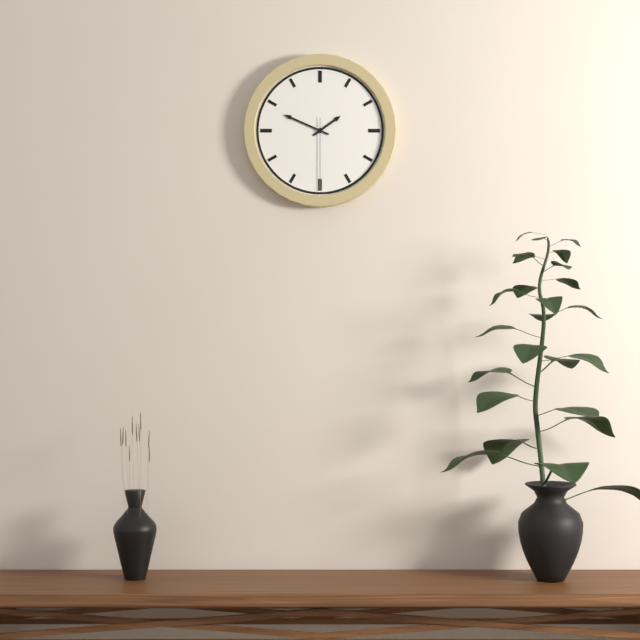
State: h=1 m=49 s=30
